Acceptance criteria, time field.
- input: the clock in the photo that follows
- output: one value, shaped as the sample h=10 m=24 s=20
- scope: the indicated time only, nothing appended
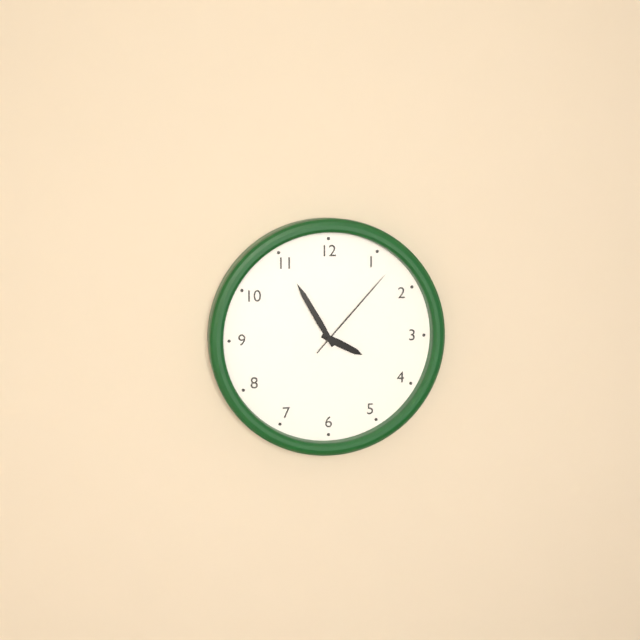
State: h=3 m=55 s=7
